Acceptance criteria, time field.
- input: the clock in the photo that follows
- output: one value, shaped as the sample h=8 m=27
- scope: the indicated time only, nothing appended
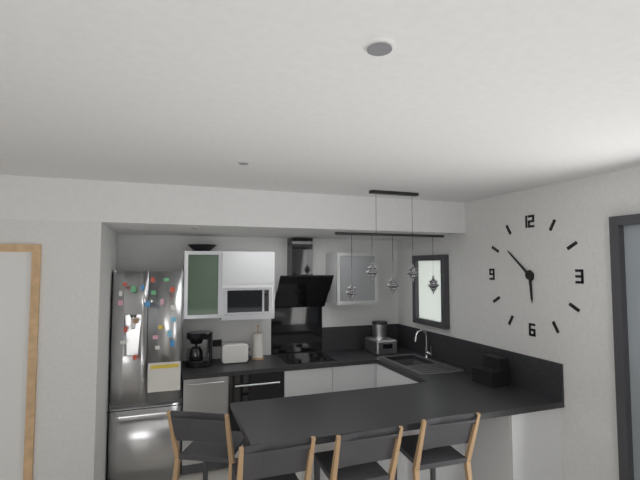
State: h=5 m=52
